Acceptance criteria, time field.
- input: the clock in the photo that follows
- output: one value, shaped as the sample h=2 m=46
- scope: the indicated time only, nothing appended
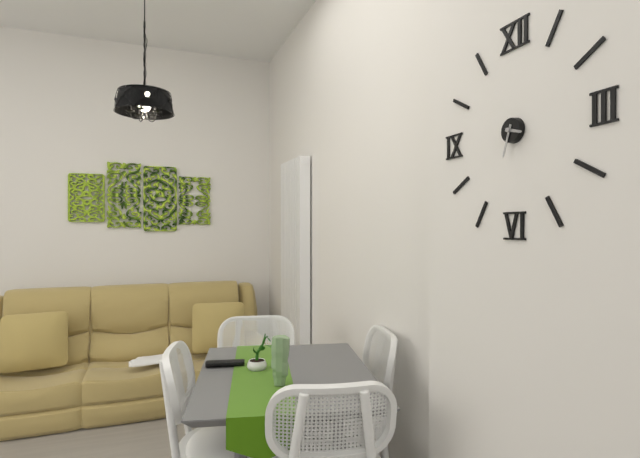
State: h=3 m=33
